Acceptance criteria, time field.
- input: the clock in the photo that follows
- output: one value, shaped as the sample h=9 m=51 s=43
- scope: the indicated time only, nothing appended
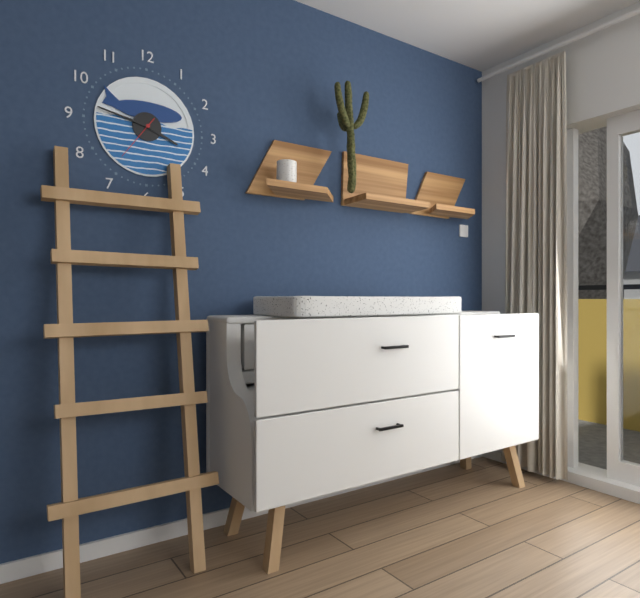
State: h=3 m=47 s=36
